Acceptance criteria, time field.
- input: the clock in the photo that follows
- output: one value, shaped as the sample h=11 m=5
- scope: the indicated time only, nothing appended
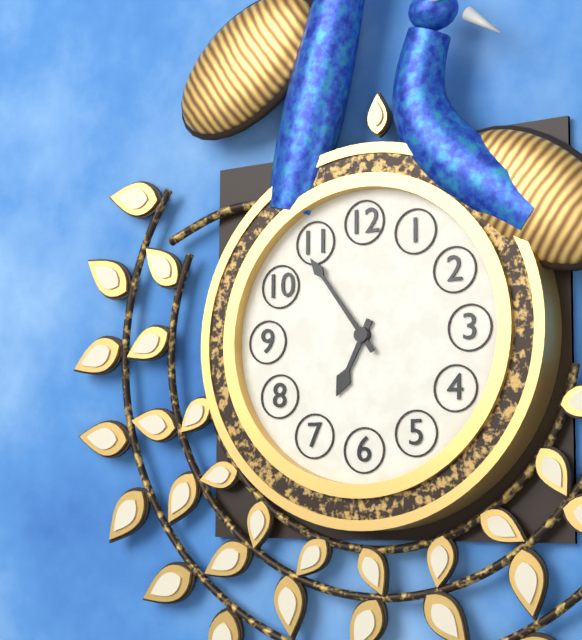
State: h=6 m=54
